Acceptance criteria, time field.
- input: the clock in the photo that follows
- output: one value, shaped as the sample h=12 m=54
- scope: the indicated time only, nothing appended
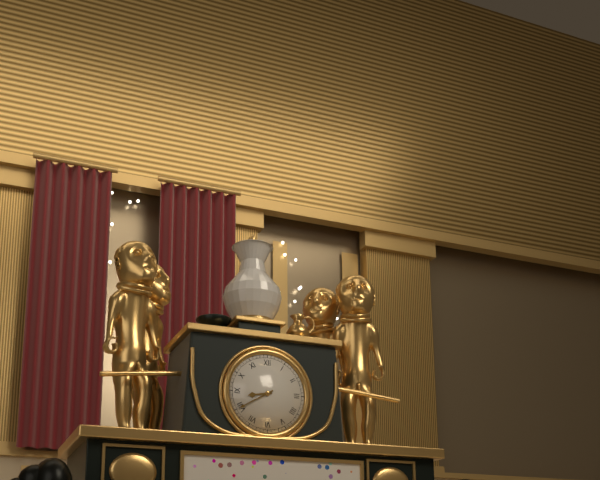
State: h=8 m=40
